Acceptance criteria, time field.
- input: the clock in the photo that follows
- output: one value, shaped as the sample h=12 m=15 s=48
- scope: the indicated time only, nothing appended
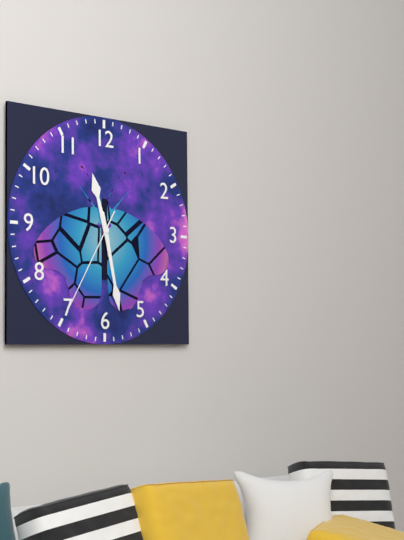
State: h=11 m=28 s=35
